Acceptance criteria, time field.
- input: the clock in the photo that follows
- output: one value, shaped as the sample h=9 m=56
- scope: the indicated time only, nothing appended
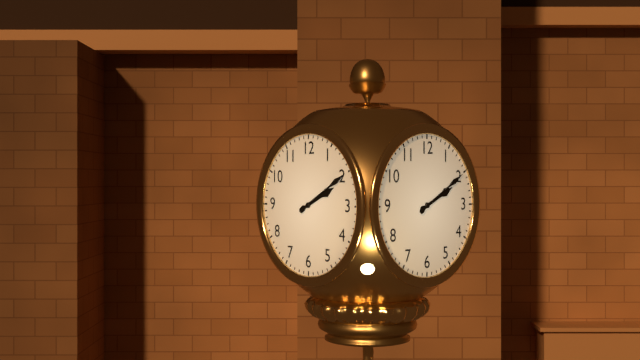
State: h=2 m=10
